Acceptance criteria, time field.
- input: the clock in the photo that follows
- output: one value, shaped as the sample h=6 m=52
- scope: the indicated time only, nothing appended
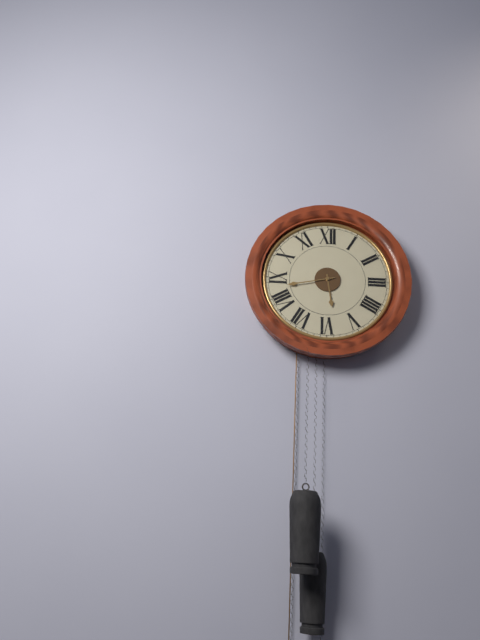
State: h=5 m=43
